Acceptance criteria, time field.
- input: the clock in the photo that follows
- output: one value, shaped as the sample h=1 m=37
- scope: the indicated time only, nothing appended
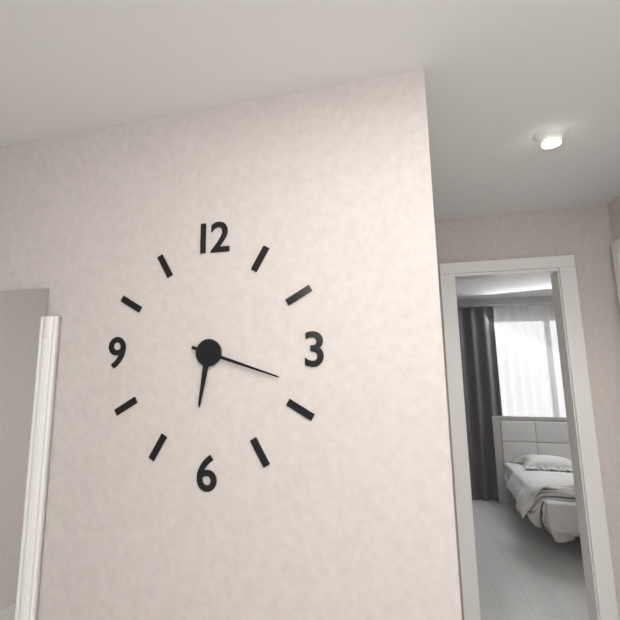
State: h=6 m=18
